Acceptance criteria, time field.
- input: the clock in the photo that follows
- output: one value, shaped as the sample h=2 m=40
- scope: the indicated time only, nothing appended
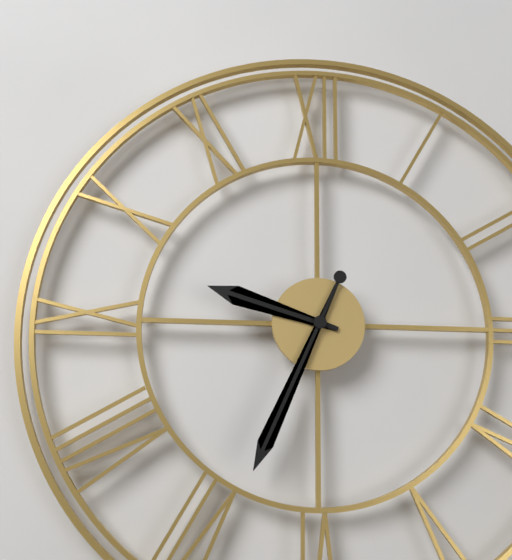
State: h=9 m=34
